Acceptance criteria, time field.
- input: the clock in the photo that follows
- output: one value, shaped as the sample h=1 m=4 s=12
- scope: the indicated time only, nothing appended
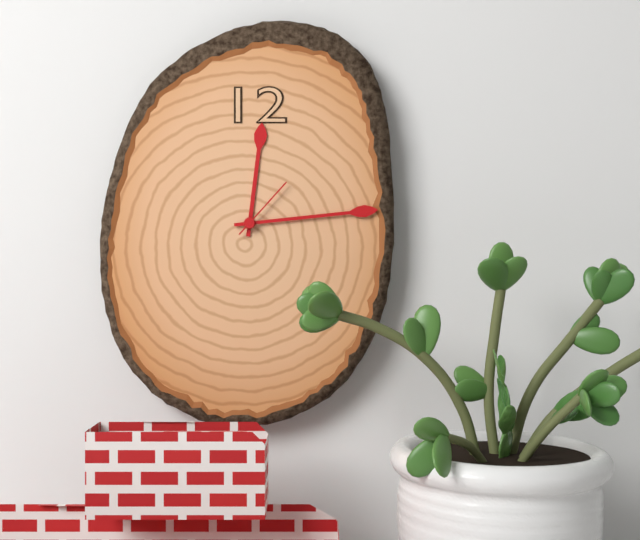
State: h=12 m=14 s=7
